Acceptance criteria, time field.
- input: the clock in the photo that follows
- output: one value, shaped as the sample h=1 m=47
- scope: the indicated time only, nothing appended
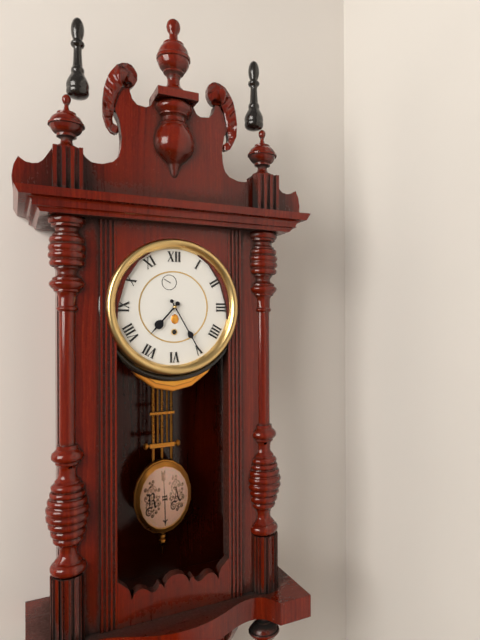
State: h=7 m=25
